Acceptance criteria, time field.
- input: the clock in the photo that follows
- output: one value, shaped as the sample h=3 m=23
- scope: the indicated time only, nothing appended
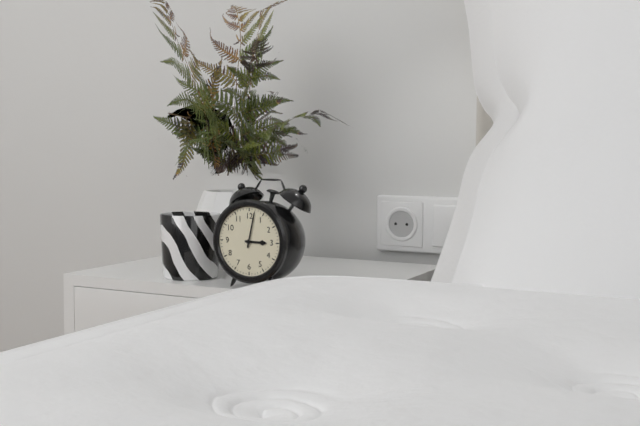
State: h=3 m=2
